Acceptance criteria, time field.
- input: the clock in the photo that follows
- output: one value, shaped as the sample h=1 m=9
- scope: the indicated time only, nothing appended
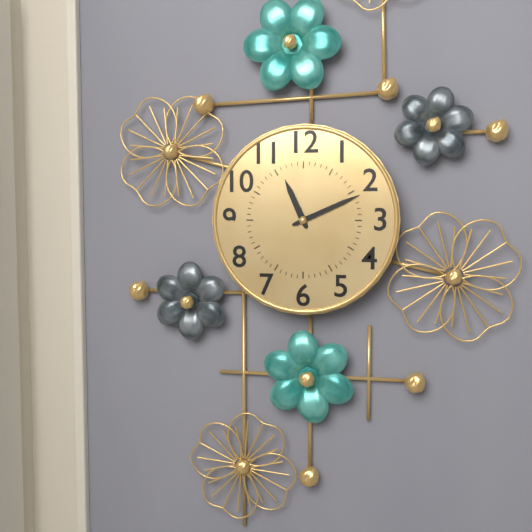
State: h=11 m=11
